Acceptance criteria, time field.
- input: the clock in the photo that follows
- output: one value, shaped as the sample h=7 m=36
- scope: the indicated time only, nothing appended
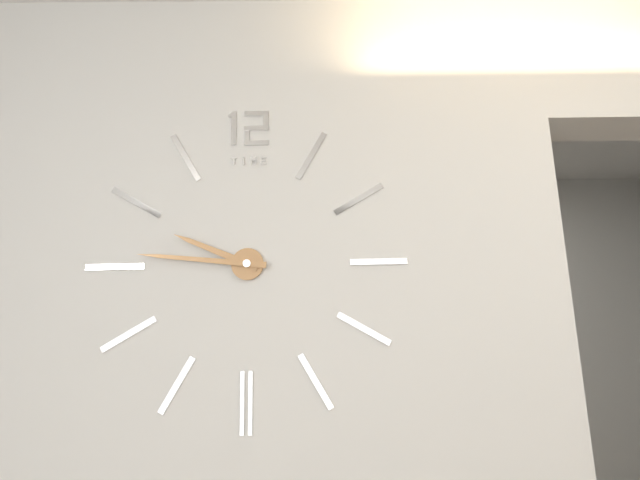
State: h=9 m=46
